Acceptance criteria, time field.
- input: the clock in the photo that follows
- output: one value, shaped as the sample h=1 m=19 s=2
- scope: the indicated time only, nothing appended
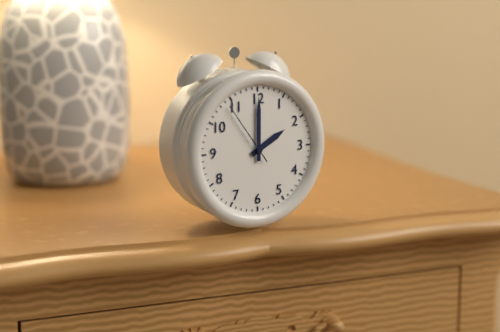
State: h=2 m=0 s=54
